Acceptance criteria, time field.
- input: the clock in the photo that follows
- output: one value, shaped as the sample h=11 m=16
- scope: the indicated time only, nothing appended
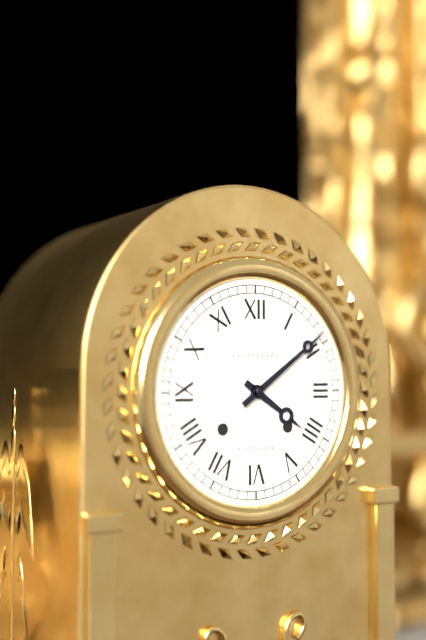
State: h=4 m=9
